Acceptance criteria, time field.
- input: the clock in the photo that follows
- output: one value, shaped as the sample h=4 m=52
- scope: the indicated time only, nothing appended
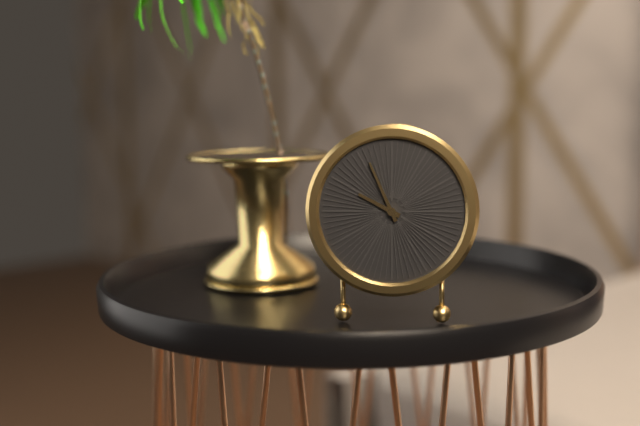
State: h=9 m=56
